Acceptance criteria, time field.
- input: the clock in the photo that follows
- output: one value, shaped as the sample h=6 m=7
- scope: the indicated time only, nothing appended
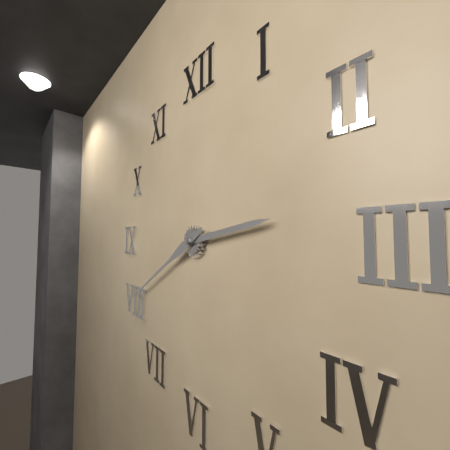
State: h=2 m=40
